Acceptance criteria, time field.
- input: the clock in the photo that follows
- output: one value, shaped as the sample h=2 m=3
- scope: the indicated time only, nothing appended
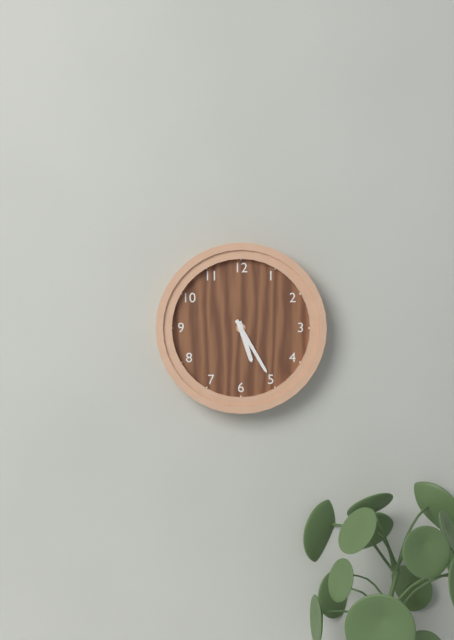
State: h=5 m=25
